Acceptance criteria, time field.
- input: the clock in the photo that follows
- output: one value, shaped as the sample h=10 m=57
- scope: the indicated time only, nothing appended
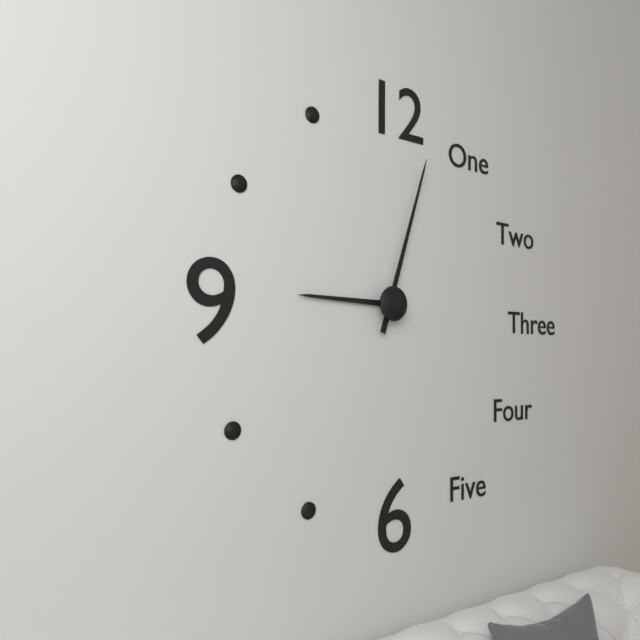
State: h=9 m=3
